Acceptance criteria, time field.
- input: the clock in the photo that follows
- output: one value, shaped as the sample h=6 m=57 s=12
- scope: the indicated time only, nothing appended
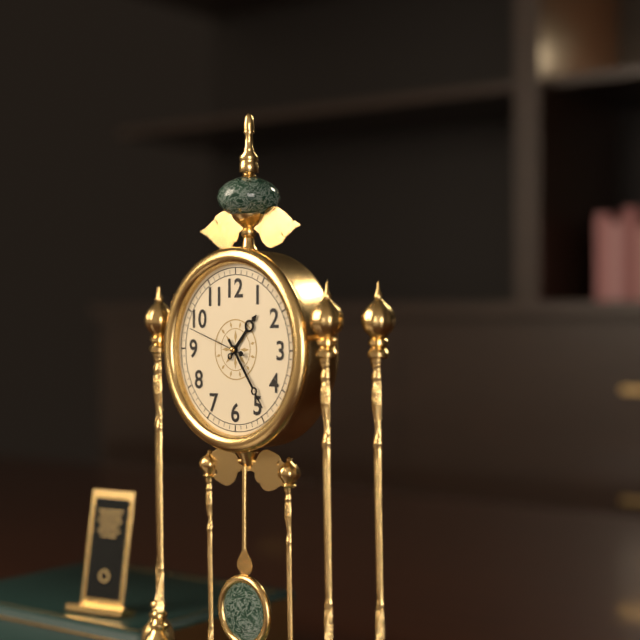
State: h=1 m=24 s=48
